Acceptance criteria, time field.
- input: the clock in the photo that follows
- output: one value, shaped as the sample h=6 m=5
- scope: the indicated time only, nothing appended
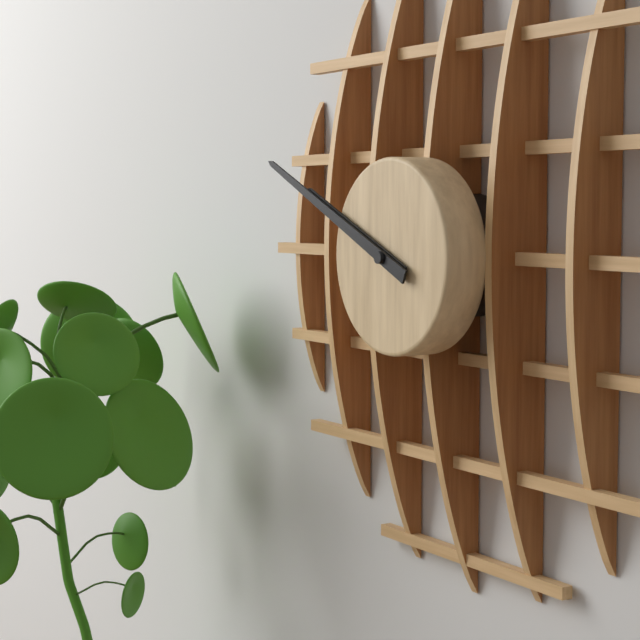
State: h=9 m=49
